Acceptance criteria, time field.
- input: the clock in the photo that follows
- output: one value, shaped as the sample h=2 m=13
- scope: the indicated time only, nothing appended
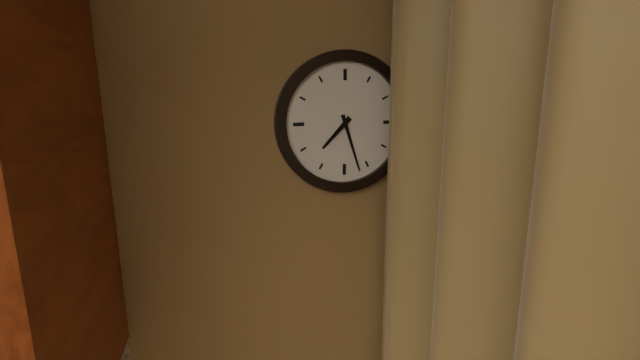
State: h=7 m=27
